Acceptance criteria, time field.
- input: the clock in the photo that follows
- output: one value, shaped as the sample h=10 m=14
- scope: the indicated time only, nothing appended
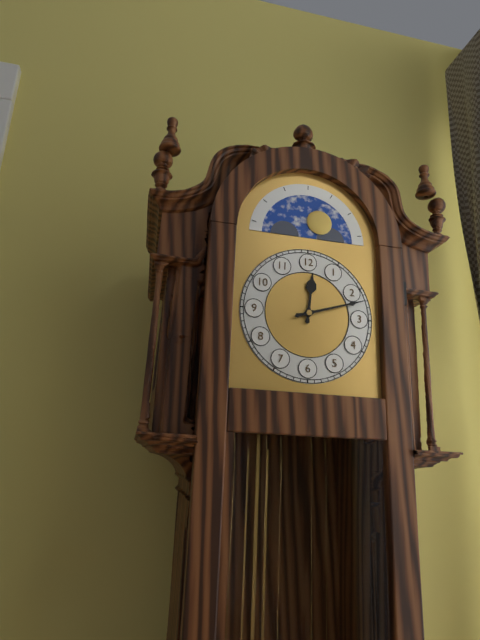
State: h=12 m=12
